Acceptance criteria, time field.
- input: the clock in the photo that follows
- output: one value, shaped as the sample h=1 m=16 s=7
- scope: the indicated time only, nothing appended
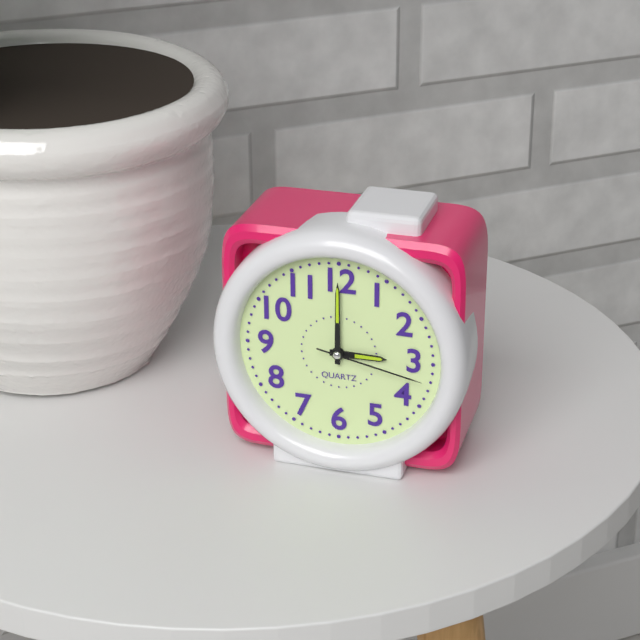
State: h=3 m=0 s=17
